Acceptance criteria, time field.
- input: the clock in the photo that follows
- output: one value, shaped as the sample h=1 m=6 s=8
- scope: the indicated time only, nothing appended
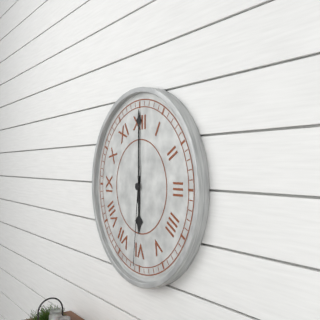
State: h=6 m=0 s=31
